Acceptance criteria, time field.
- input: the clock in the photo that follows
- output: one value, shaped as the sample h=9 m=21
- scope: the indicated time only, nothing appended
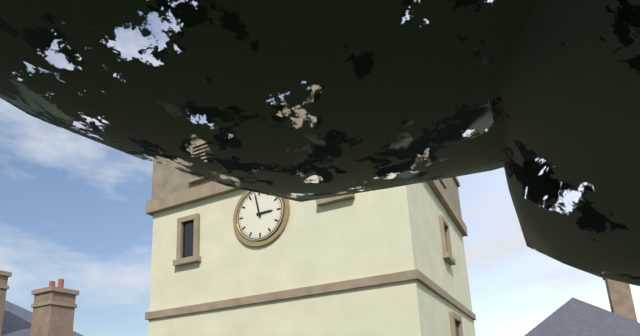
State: h=2 m=58
